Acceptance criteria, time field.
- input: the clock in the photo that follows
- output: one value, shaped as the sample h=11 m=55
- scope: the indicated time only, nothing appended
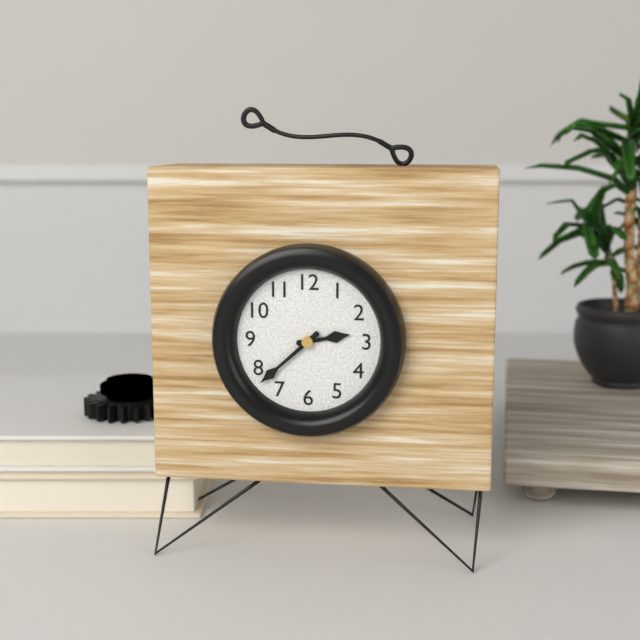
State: h=2 m=38
